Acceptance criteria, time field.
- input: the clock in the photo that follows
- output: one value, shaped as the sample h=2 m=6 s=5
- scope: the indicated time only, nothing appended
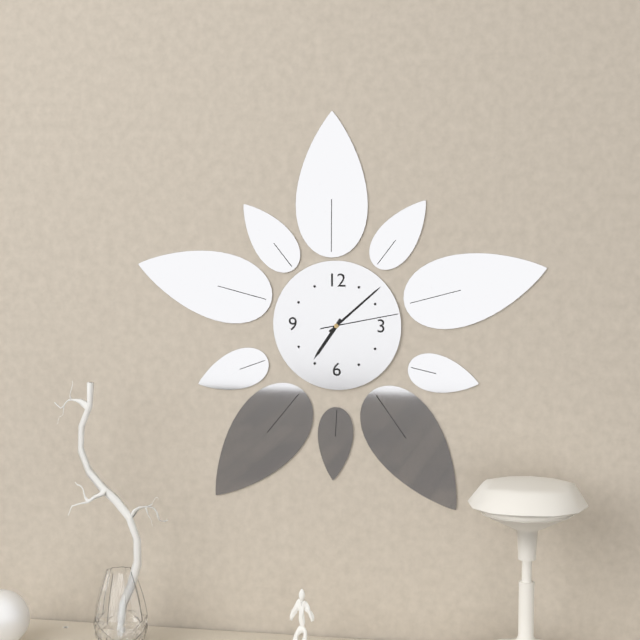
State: h=7 m=8 s=13
